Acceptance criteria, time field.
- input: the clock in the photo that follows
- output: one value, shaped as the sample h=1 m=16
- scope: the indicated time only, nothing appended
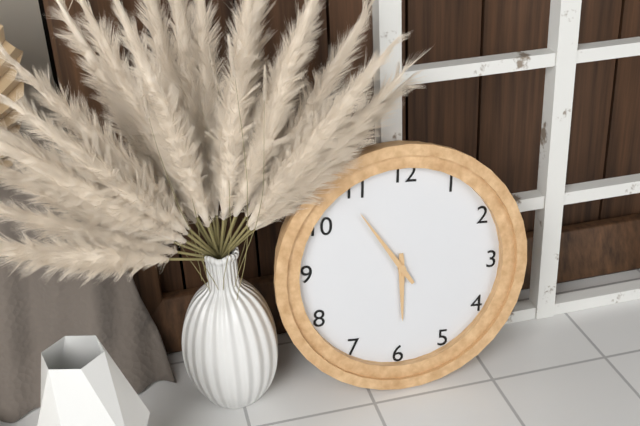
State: h=5 m=54
